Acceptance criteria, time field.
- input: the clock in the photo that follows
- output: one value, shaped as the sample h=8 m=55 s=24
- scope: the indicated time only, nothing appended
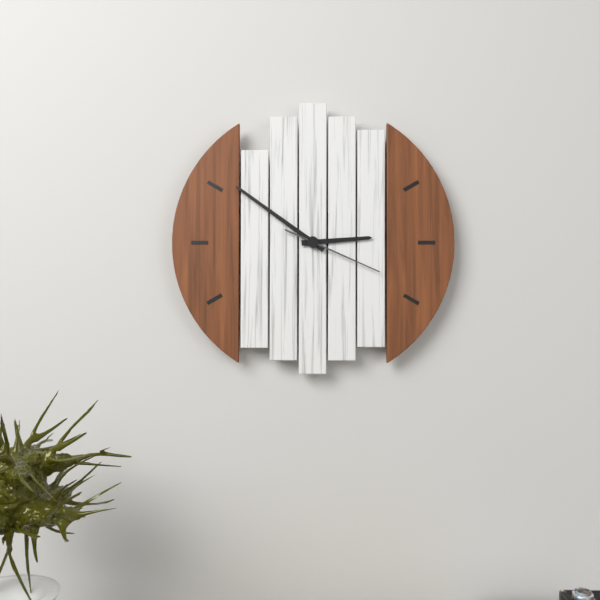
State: h=2 m=51 s=19
